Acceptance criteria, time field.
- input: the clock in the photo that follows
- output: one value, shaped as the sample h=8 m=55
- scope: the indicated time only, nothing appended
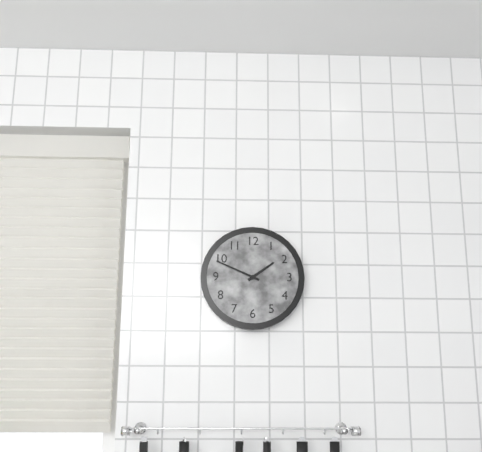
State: h=1 m=49
